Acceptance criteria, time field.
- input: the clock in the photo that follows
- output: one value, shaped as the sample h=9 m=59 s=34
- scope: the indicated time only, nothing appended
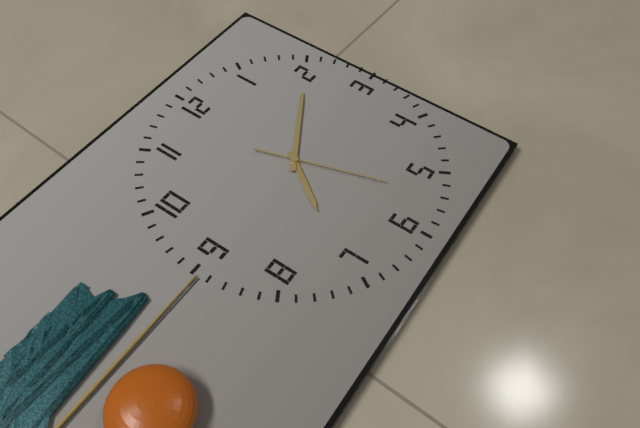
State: h=7 m=10 s=27
